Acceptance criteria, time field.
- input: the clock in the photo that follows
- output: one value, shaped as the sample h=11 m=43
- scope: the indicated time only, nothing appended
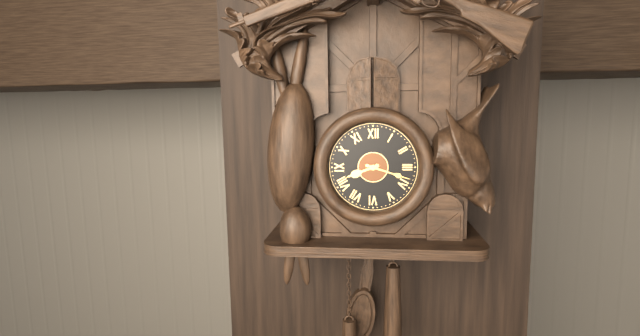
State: h=8 m=18
